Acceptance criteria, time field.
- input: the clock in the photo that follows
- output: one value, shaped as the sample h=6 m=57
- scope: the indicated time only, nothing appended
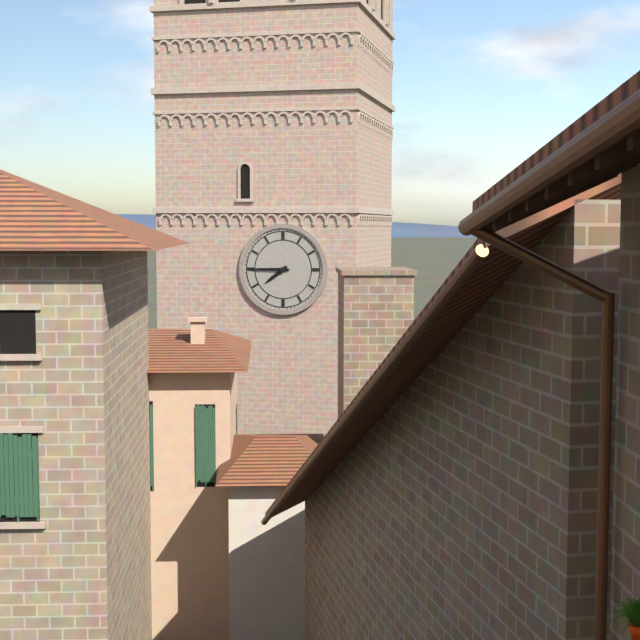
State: h=7 m=45
